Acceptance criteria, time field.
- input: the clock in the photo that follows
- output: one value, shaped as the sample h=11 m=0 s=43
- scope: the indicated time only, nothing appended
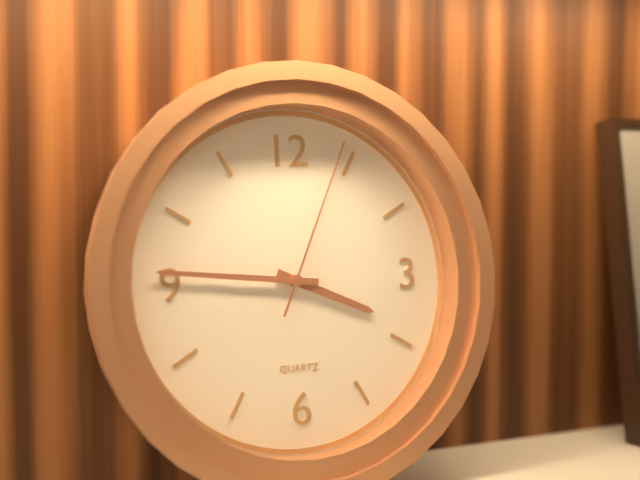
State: h=3 m=46 s=4
